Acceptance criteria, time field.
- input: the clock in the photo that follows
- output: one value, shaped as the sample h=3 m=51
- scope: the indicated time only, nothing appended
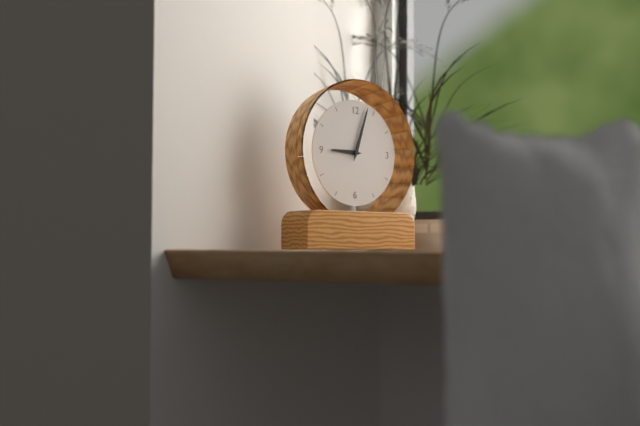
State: h=9 m=3
